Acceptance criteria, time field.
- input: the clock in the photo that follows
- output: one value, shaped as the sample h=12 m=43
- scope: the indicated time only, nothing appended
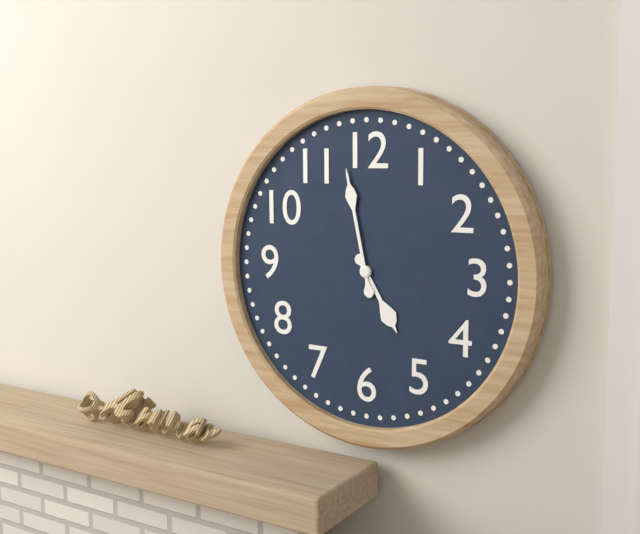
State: h=4 m=58
